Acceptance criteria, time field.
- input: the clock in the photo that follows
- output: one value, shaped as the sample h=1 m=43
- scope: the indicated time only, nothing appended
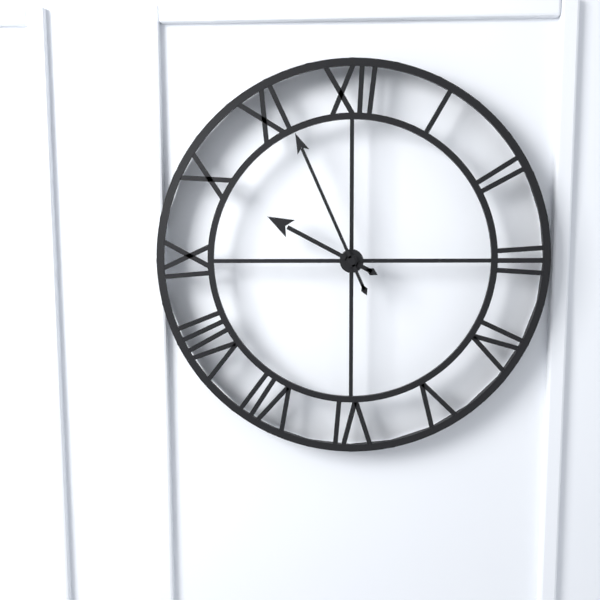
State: h=9 m=56
